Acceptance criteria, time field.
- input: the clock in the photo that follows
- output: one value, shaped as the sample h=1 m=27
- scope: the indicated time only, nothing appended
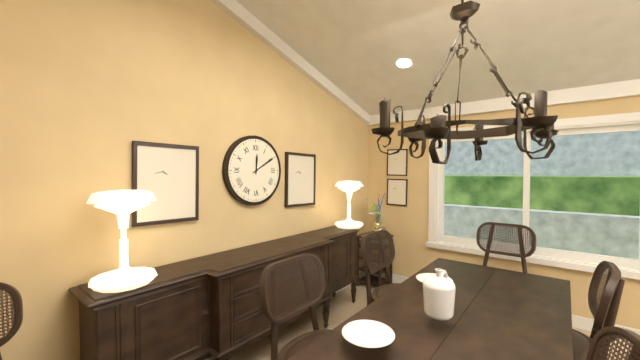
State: h=12 m=10
